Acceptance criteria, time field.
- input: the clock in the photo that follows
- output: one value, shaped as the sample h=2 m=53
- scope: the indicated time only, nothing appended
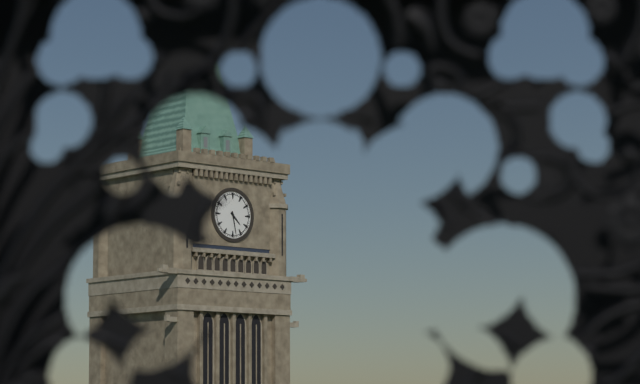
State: h=4 m=28
